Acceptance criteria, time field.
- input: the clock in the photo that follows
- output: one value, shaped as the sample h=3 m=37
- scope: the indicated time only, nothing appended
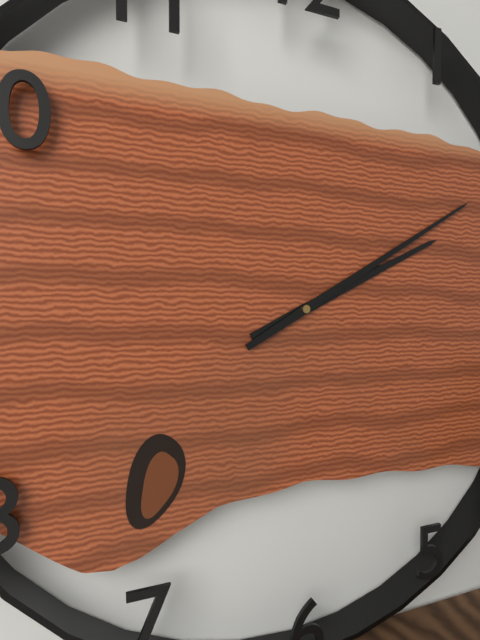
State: h=2 m=10
